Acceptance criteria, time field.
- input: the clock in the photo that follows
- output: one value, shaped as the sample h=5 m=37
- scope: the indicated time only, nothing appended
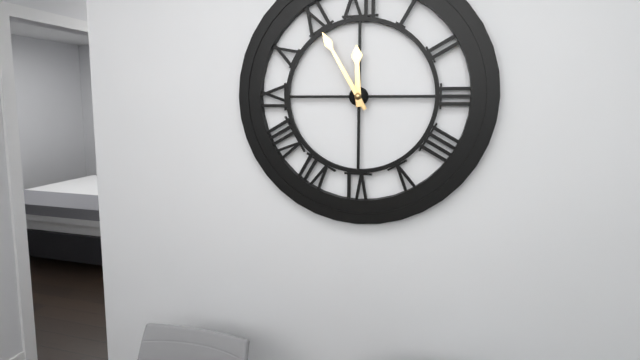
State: h=11 m=55
